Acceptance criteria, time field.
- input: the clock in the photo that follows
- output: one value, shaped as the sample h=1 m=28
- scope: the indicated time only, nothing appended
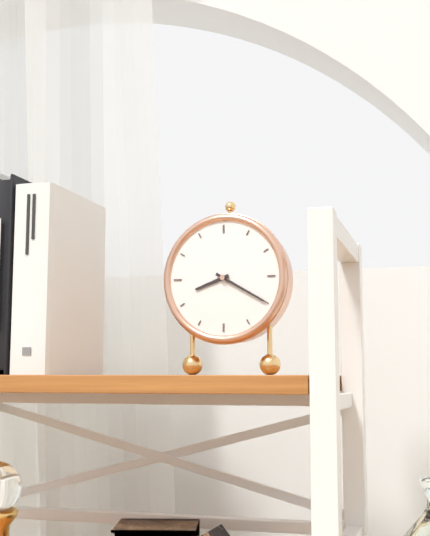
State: h=8 m=20
